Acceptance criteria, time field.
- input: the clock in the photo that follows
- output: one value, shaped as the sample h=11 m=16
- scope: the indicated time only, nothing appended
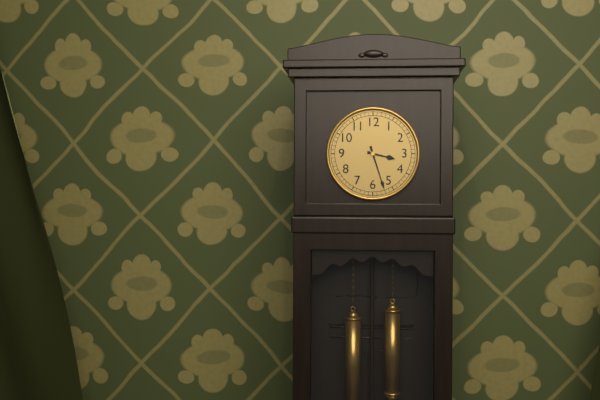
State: h=3 m=27
